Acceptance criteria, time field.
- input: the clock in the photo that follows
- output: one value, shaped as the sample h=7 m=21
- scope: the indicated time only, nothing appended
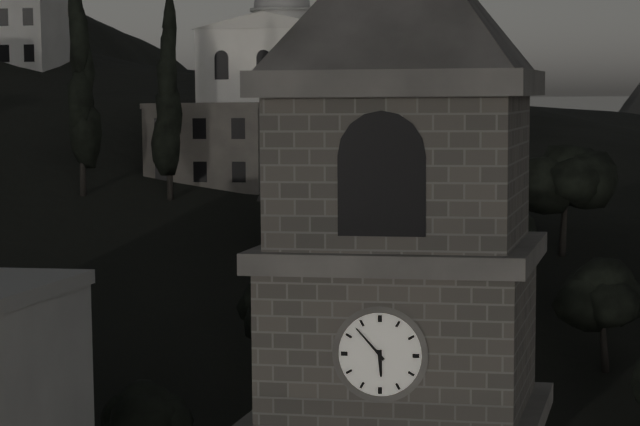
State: h=5 m=53
